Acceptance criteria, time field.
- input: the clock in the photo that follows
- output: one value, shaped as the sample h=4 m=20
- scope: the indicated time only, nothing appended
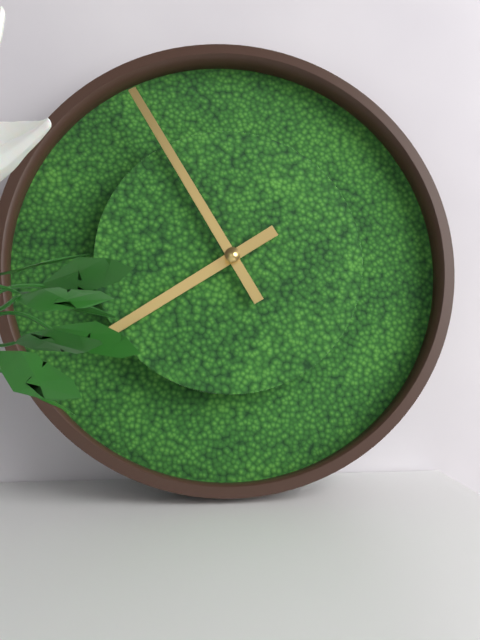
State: h=7 m=55
